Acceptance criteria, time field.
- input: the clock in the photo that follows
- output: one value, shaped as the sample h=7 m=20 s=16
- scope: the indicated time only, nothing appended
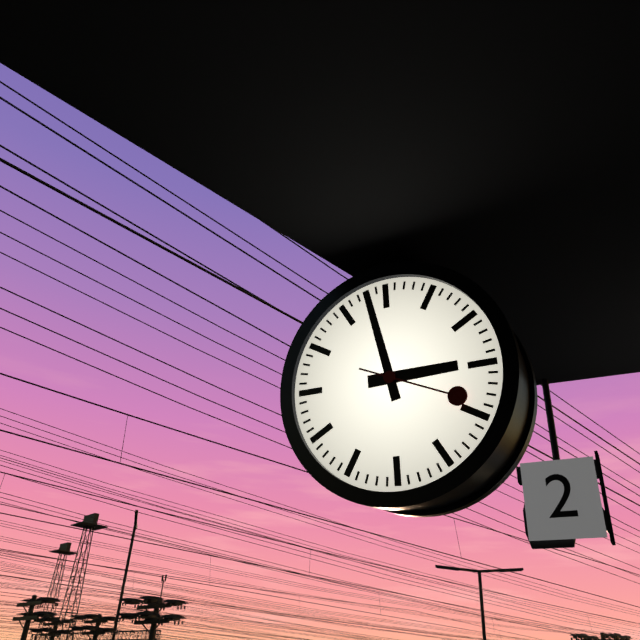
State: h=2 m=58 s=19
